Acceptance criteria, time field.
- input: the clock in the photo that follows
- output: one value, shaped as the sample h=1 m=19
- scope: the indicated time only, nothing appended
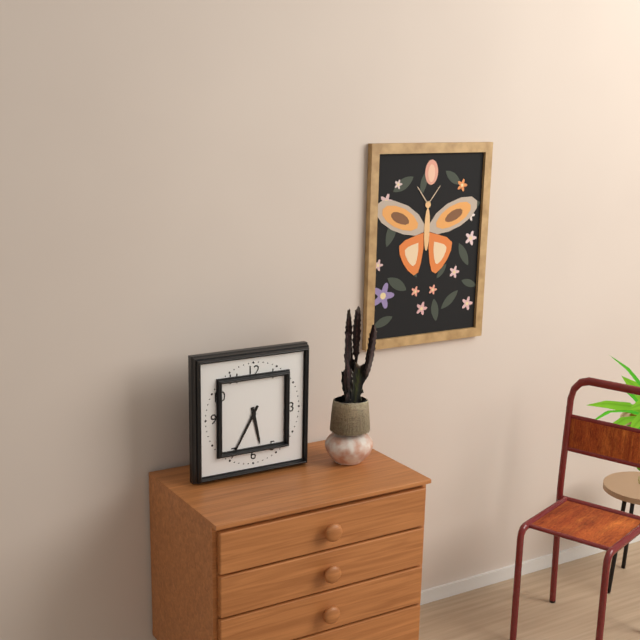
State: h=5 m=35
